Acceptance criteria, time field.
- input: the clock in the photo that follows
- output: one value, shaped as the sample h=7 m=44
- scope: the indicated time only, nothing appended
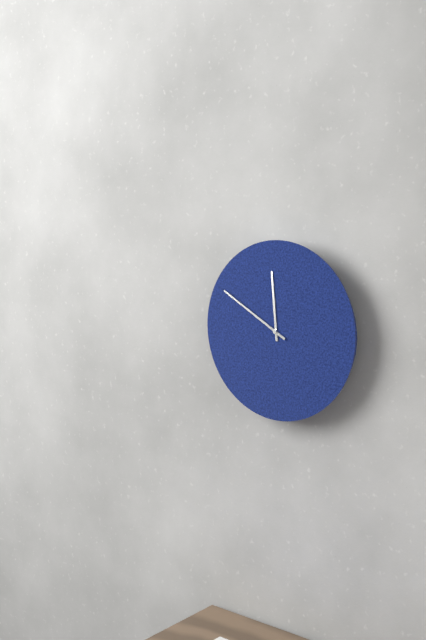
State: h=11 m=50
